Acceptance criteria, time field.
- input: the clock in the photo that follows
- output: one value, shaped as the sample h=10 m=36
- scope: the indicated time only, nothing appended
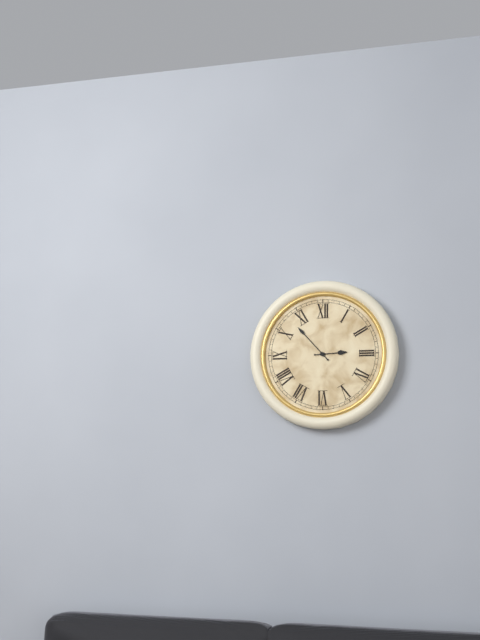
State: h=2 m=53
